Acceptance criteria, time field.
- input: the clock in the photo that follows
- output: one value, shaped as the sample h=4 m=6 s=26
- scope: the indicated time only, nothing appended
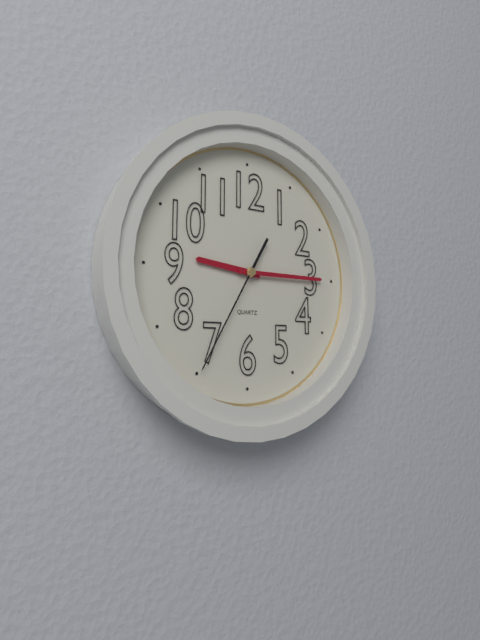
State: h=9 m=15 s=35
